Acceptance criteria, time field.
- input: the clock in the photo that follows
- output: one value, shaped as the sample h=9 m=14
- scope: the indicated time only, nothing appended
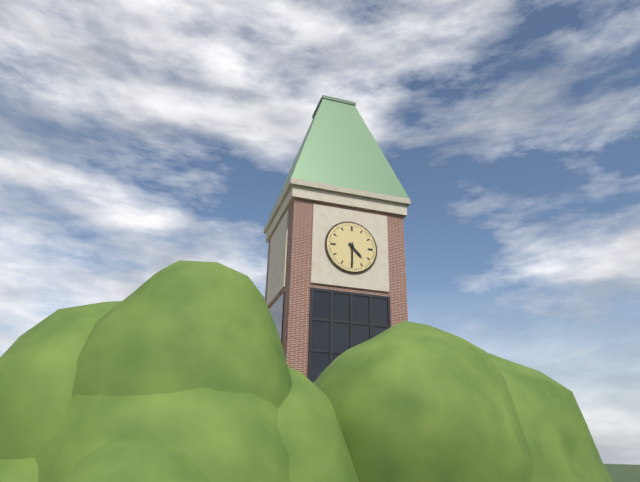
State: h=4 m=30
